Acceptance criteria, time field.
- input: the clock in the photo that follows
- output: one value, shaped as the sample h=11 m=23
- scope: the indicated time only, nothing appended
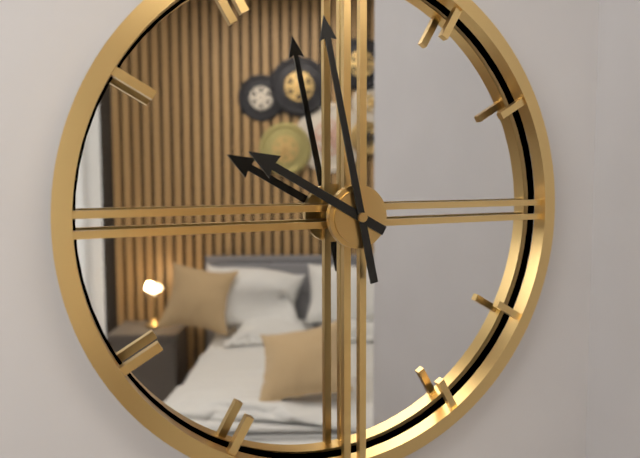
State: h=9 m=58
